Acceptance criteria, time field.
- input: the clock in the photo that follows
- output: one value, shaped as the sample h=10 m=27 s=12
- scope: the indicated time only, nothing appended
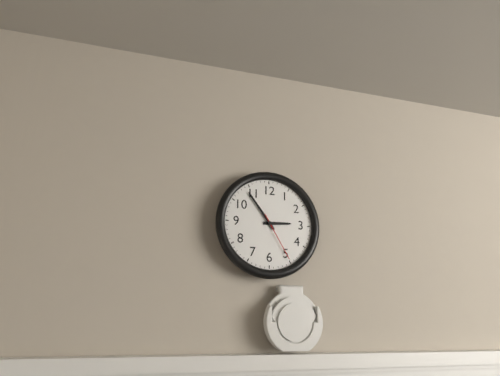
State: h=2 m=54 s=25
